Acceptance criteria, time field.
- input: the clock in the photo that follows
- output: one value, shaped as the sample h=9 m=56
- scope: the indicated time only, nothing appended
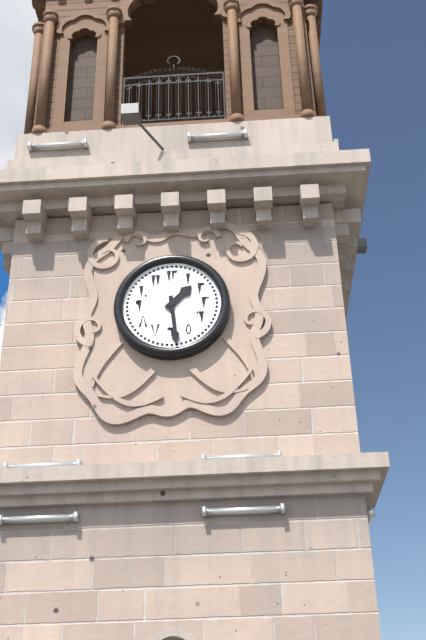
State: h=1 m=29
